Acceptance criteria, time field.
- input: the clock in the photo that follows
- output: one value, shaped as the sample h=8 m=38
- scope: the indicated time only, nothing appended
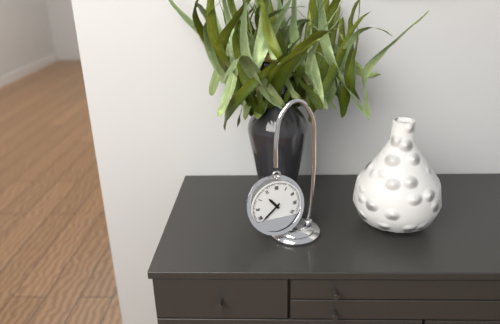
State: h=10 m=38
